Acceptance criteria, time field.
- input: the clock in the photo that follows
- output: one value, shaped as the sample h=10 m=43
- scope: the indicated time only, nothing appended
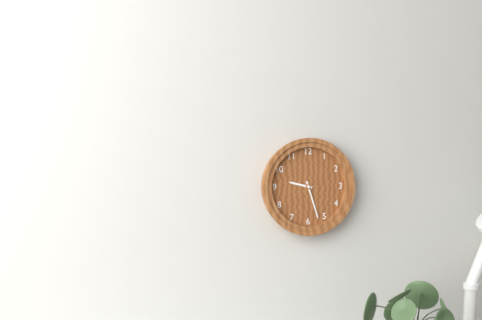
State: h=9 m=27
